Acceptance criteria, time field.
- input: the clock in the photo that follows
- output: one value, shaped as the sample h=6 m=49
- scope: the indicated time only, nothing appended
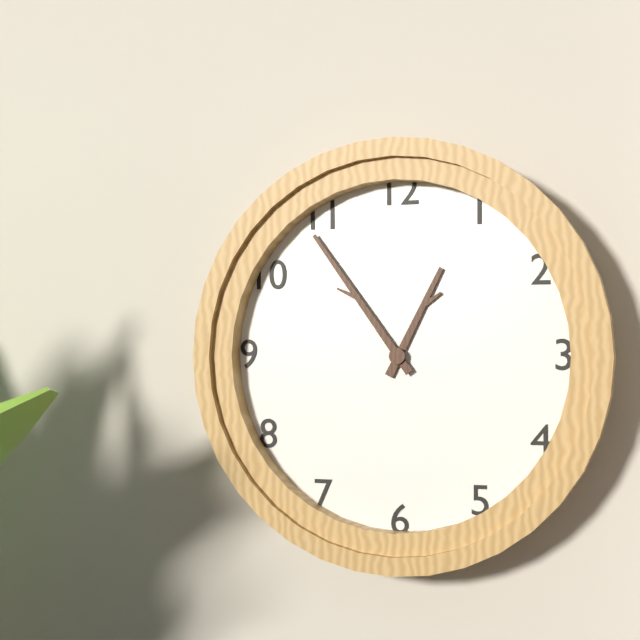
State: h=12 m=54
